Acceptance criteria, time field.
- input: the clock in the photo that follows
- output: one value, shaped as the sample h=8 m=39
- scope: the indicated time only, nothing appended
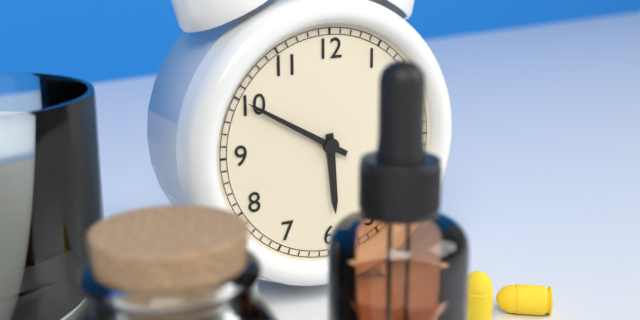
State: h=5 m=50
